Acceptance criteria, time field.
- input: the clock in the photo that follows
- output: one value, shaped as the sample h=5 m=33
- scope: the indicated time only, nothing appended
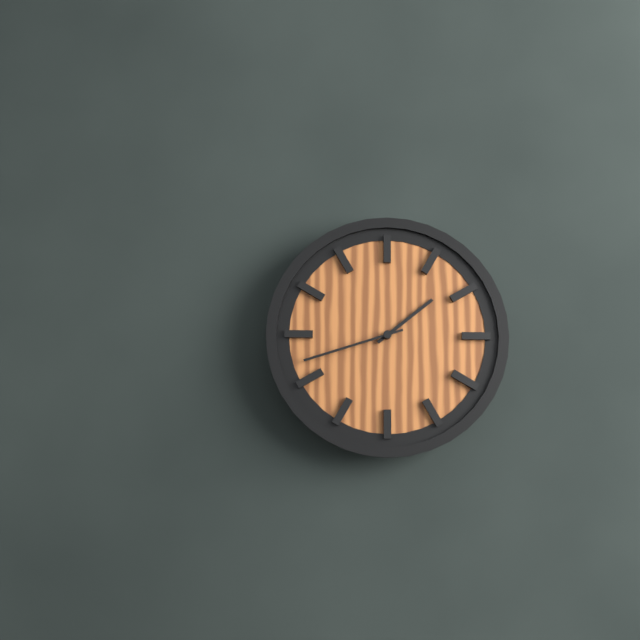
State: h=1 m=42
